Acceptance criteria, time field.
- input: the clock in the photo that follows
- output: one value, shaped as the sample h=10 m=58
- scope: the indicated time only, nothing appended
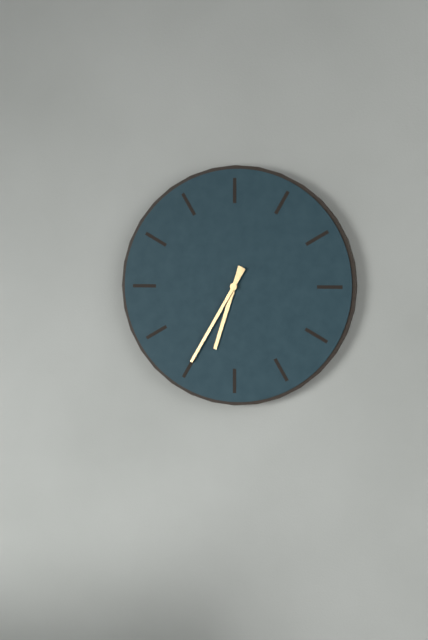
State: h=6 m=35
